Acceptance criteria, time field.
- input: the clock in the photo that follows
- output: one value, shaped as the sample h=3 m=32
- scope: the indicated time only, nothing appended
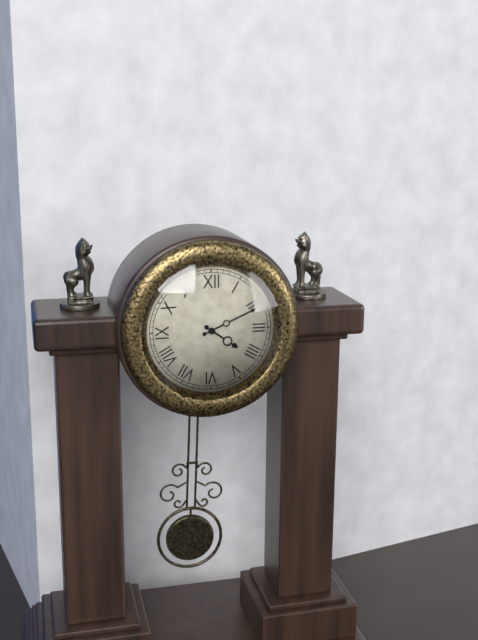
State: h=4 m=11
